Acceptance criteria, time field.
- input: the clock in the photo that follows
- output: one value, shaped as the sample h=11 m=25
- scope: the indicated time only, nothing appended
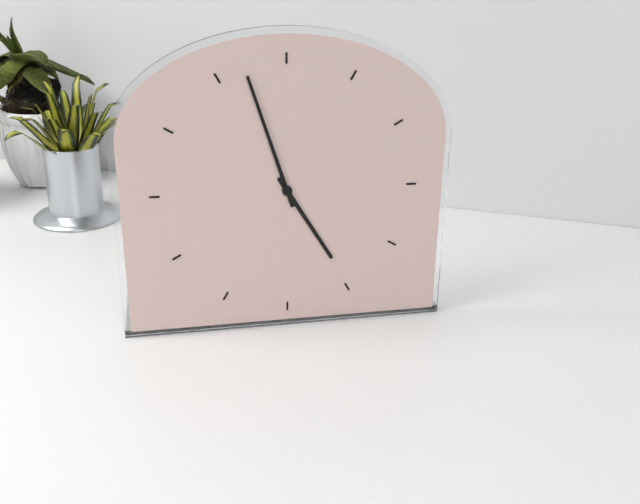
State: h=4 m=57
